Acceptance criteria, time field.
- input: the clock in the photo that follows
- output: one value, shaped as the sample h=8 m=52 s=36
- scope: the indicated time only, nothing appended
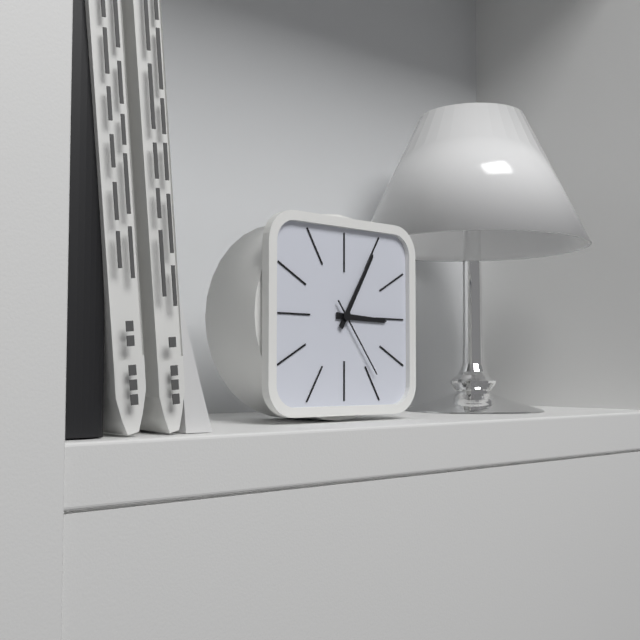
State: h=3 m=5 s=24
